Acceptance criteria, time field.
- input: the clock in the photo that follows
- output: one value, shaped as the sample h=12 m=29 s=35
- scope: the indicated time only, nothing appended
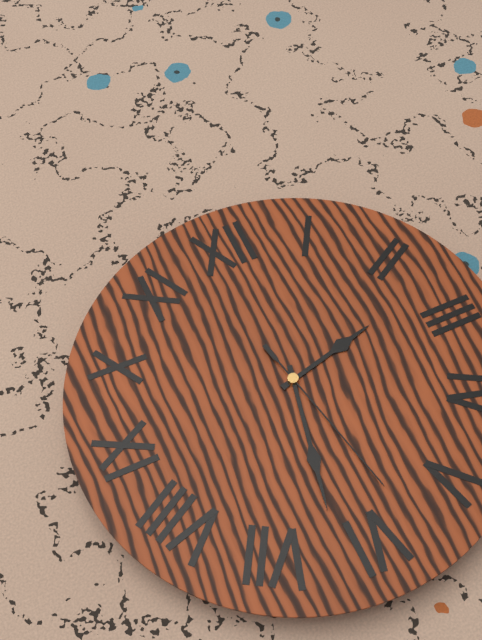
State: h=2 m=32 s=28
